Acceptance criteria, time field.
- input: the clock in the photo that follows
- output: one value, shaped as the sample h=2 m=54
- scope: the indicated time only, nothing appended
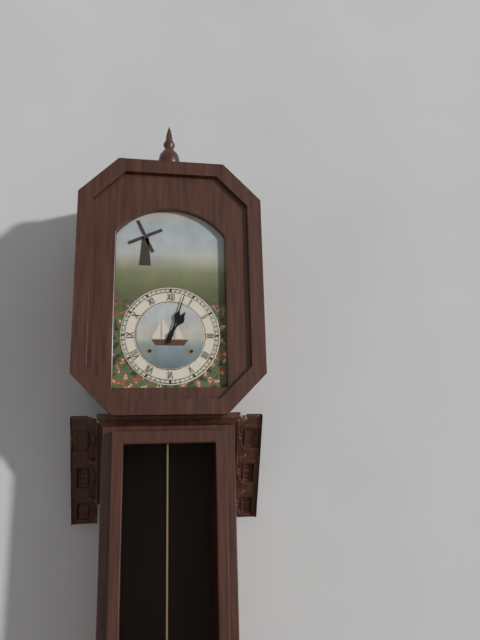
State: h=1 m=3
